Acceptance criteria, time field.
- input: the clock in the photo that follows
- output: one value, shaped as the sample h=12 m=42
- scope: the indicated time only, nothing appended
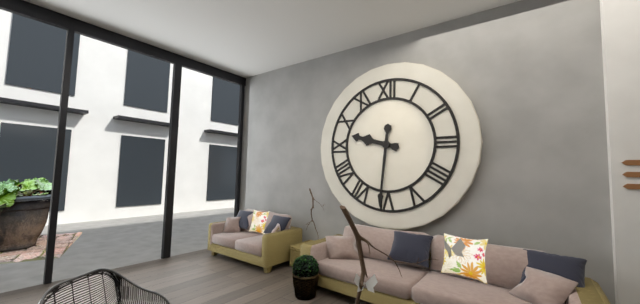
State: h=9 m=31
